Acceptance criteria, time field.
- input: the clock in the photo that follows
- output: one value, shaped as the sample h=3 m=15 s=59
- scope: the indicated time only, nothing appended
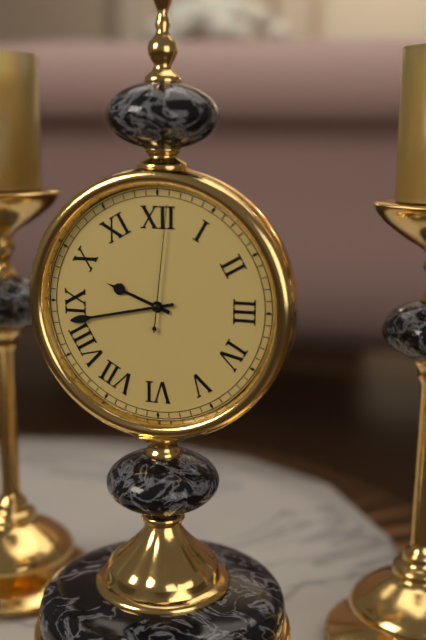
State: h=9 m=43 s=1
